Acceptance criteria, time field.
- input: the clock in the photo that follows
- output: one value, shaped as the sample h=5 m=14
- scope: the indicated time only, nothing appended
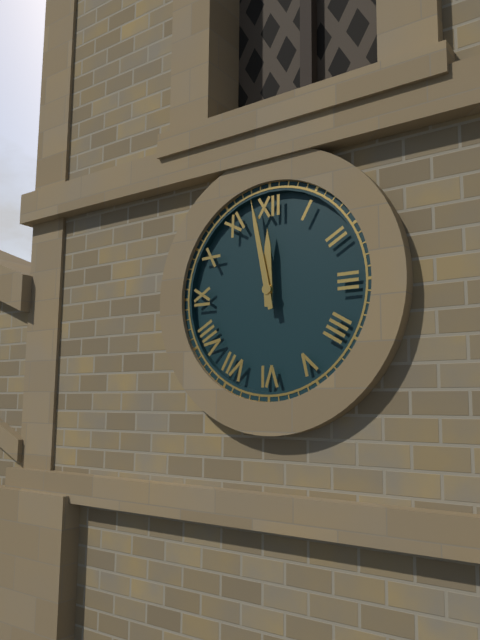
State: h=11 m=58
